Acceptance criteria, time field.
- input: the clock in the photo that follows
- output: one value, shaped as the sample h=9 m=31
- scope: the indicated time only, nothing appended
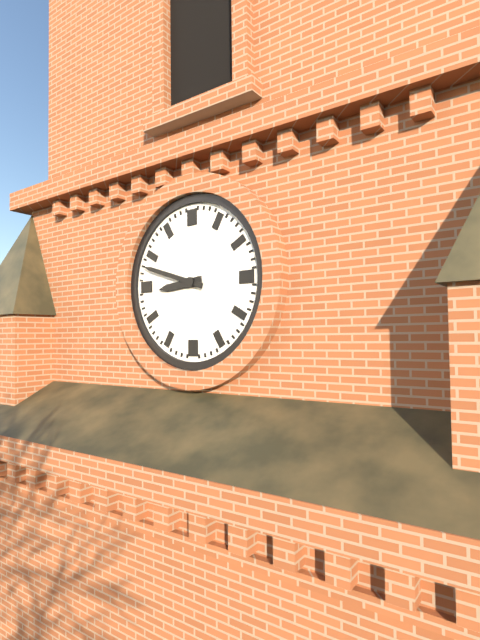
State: h=8 m=48
